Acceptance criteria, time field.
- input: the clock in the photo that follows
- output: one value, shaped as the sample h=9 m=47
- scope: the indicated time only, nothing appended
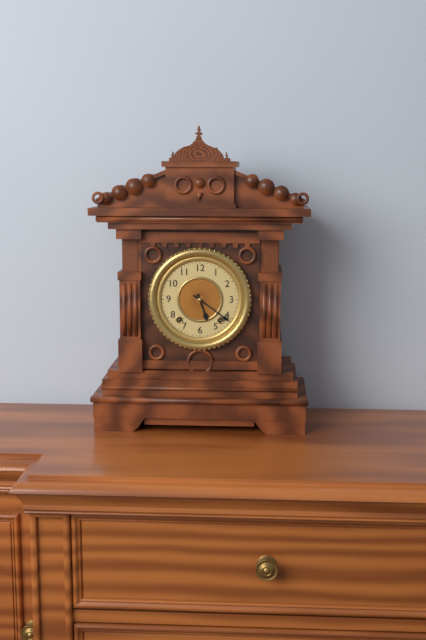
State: h=5 m=21
